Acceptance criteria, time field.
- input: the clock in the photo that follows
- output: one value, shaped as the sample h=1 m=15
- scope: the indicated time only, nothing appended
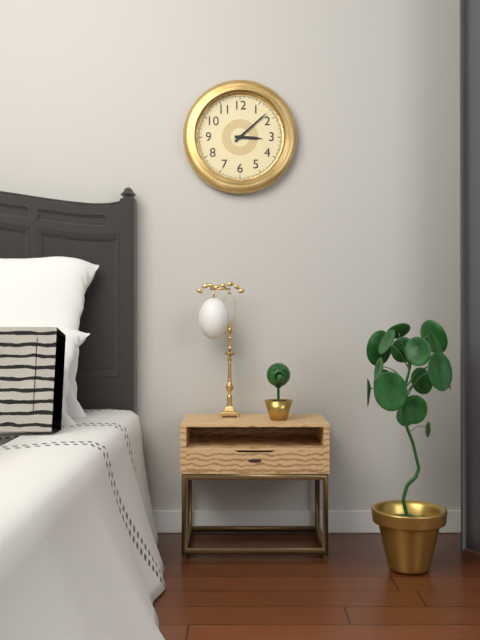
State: h=3 m=8
